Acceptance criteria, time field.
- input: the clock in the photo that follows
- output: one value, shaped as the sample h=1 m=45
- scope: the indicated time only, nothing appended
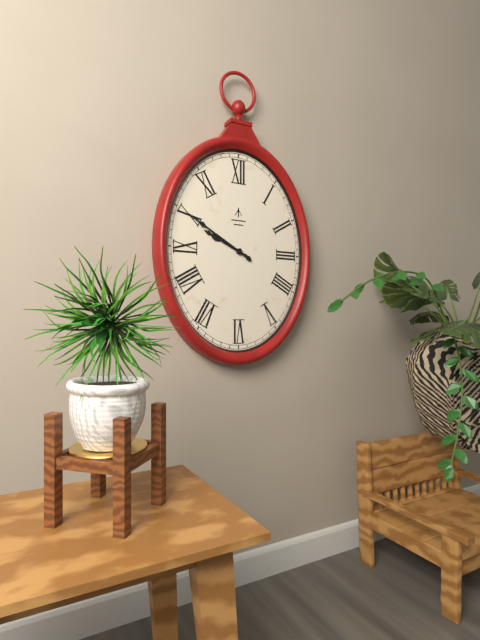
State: h=9 m=50
